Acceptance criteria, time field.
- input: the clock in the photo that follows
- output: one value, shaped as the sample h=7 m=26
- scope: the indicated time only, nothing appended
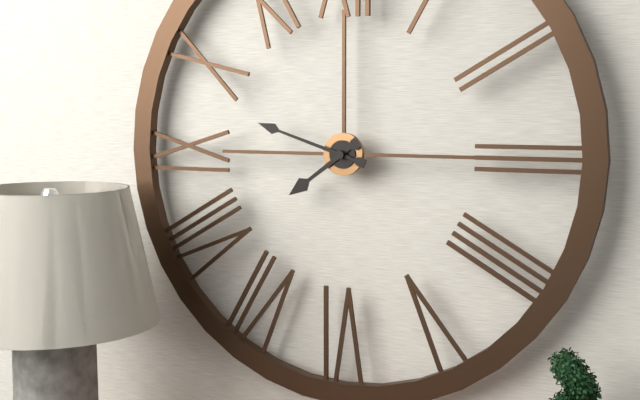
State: h=7 m=48
